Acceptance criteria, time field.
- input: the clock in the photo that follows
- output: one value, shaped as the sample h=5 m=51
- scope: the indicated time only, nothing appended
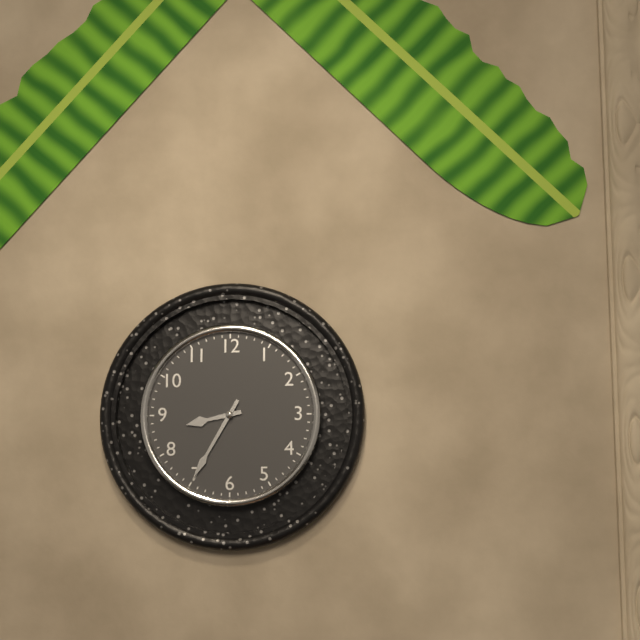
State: h=8 m=35
